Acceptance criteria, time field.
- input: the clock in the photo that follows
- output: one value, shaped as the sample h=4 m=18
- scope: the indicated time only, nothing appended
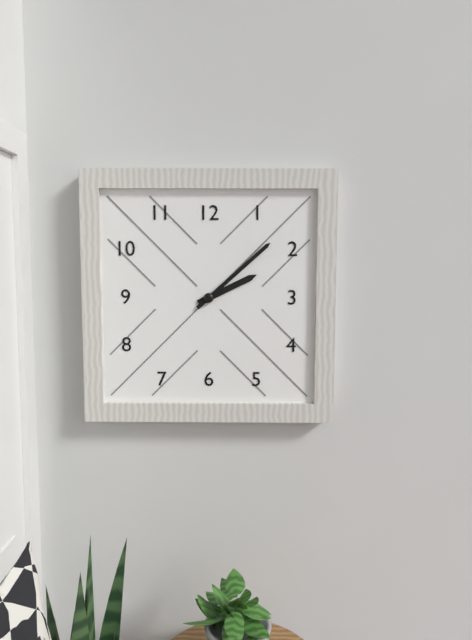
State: h=2 m=8
